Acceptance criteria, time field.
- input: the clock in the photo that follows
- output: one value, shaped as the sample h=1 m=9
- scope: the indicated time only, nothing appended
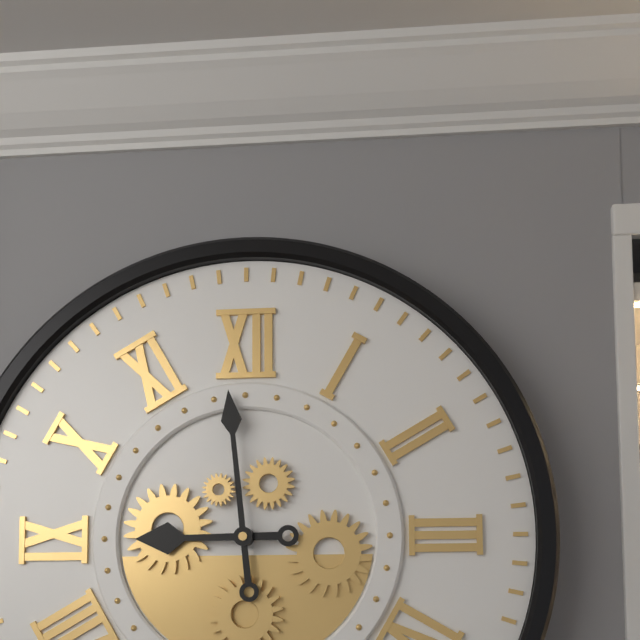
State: h=8 m=59
